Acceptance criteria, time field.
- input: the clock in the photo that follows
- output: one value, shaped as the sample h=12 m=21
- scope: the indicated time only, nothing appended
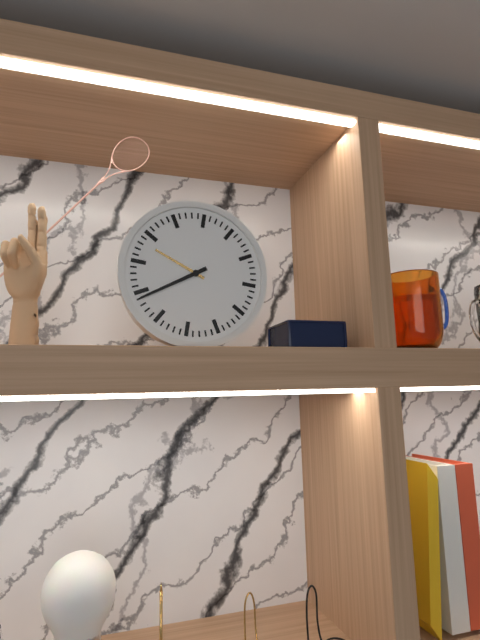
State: h=9 m=39
